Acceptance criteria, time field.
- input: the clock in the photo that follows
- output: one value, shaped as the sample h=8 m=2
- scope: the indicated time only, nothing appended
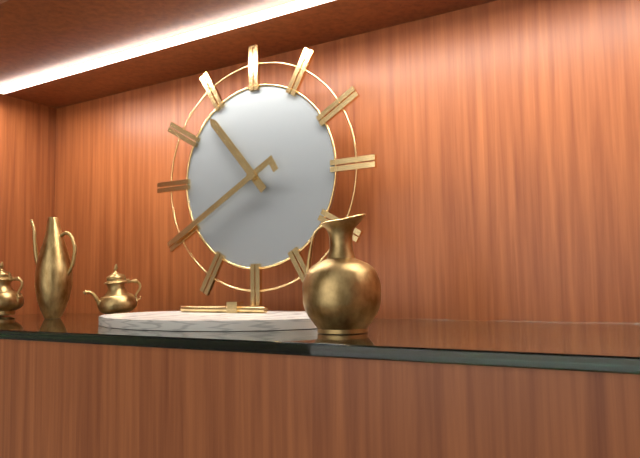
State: h=10 m=40
